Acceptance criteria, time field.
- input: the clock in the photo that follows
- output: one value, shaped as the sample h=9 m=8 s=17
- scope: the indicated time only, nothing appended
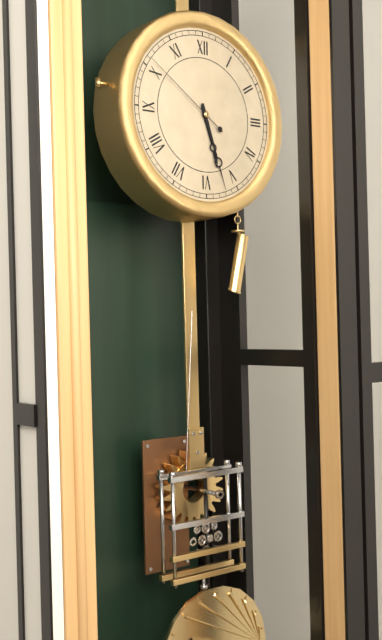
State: h=5 m=27 s=51
